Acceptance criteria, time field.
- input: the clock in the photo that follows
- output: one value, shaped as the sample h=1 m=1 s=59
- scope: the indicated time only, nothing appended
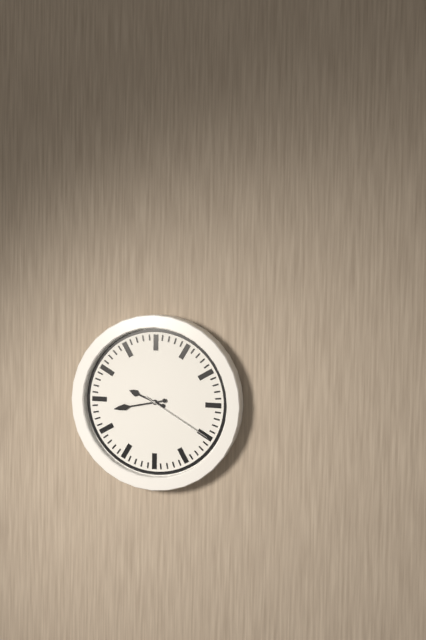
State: h=9 m=43 s=20
